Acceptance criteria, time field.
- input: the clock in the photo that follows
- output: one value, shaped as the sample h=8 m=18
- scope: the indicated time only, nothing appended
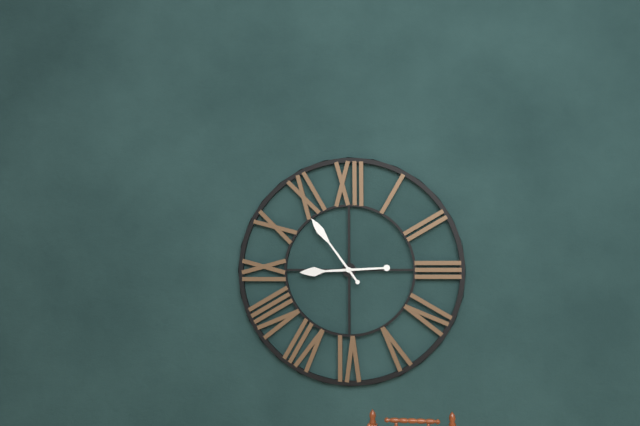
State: h=8 m=54
